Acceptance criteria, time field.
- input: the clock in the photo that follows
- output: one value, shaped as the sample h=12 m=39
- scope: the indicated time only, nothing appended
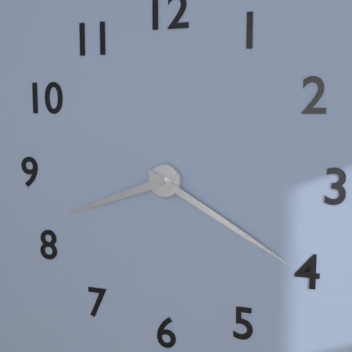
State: h=8 m=20
